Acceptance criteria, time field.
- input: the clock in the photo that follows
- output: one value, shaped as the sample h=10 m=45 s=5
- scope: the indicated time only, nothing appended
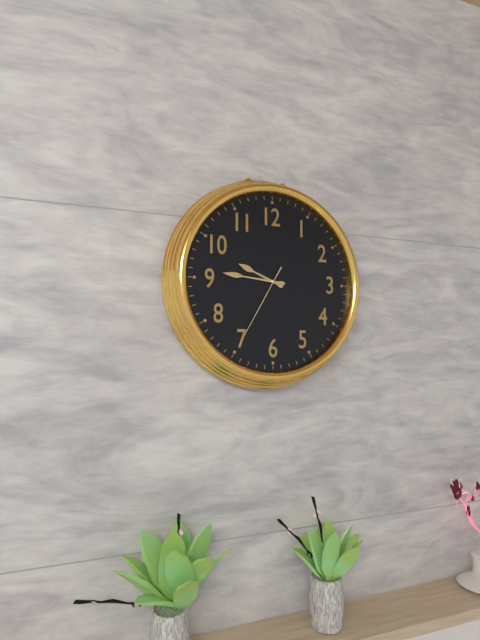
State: h=9 m=46 s=35
